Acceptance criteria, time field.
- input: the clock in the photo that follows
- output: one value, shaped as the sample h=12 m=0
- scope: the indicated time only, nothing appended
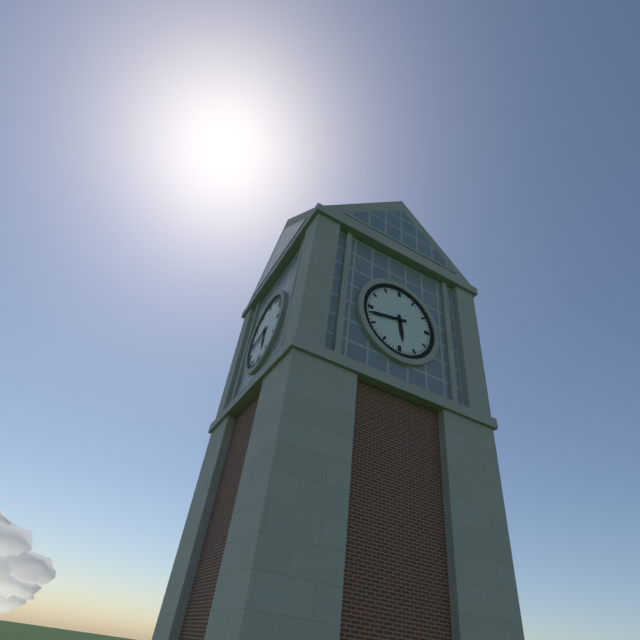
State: h=5 m=43
